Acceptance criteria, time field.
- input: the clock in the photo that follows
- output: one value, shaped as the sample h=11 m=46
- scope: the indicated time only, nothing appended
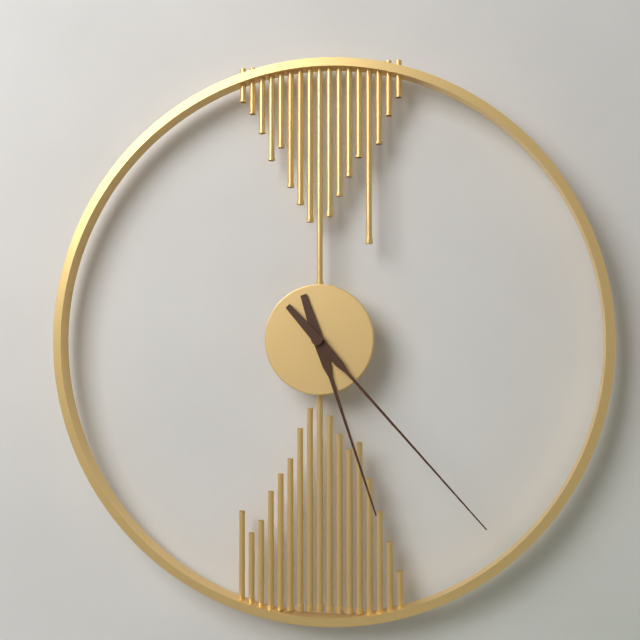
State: h=5 m=23
